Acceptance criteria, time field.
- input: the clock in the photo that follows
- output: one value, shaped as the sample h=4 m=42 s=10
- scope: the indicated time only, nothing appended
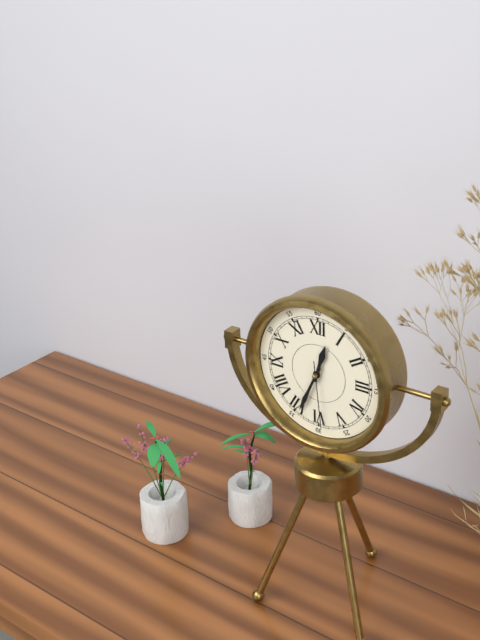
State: h=12 m=34 s=29
